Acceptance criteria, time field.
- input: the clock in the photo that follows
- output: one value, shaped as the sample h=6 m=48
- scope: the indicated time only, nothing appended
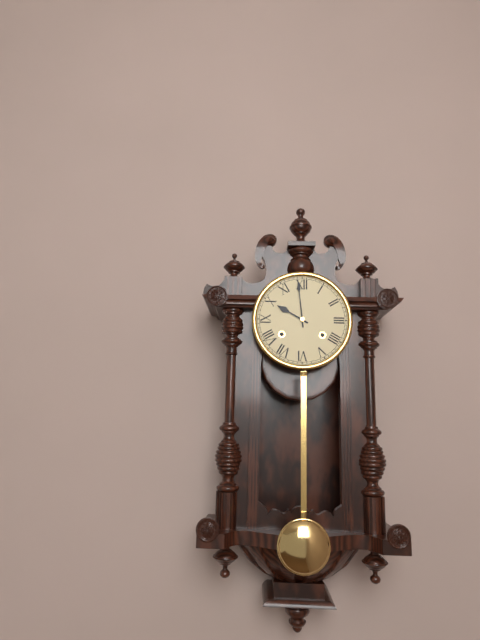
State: h=9 m=59
